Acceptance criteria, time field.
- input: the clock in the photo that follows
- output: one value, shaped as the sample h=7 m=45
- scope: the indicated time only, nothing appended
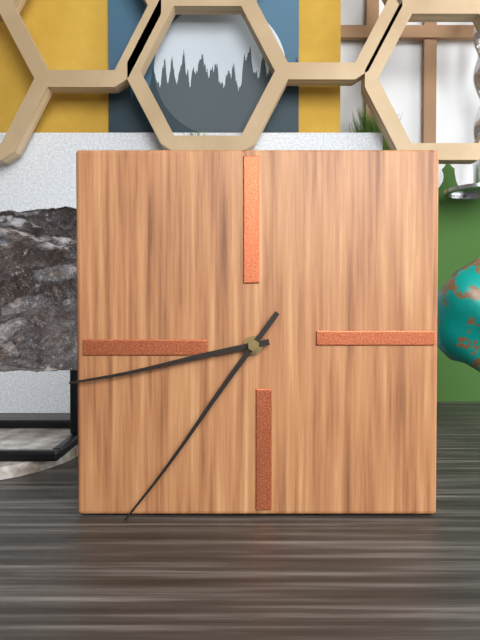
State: h=8 m=36
